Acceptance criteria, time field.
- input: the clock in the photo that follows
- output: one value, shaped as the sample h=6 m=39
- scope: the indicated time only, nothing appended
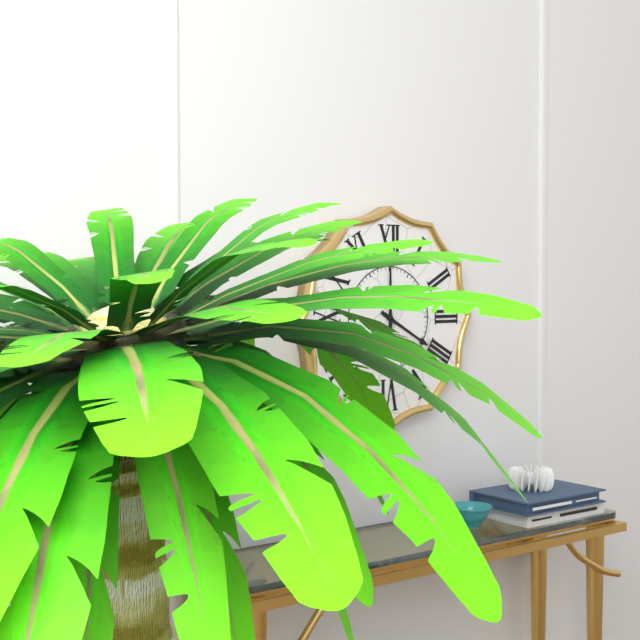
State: h=4 m=0
